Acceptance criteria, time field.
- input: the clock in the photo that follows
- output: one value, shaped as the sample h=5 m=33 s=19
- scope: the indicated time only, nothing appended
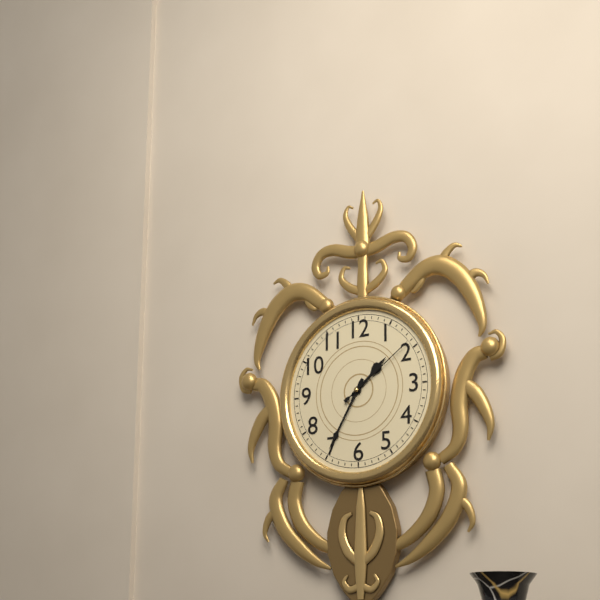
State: h=1 m=35 s=9
